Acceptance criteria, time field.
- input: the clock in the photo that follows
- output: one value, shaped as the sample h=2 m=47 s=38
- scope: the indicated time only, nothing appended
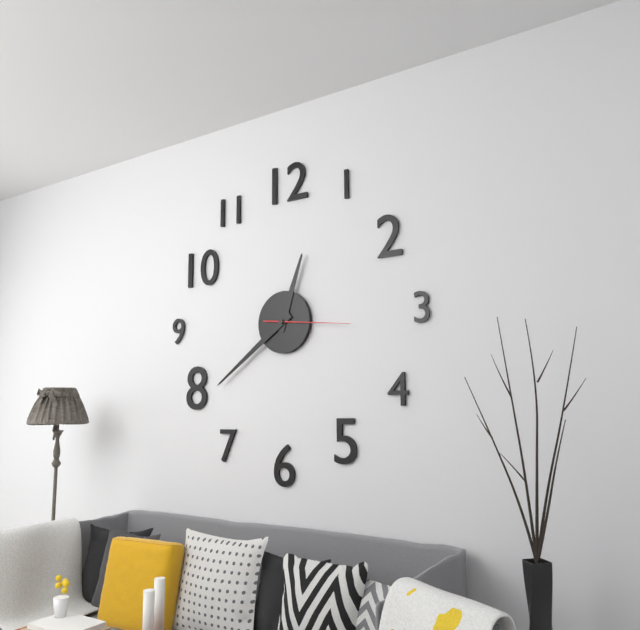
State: h=12 m=39 s=16
